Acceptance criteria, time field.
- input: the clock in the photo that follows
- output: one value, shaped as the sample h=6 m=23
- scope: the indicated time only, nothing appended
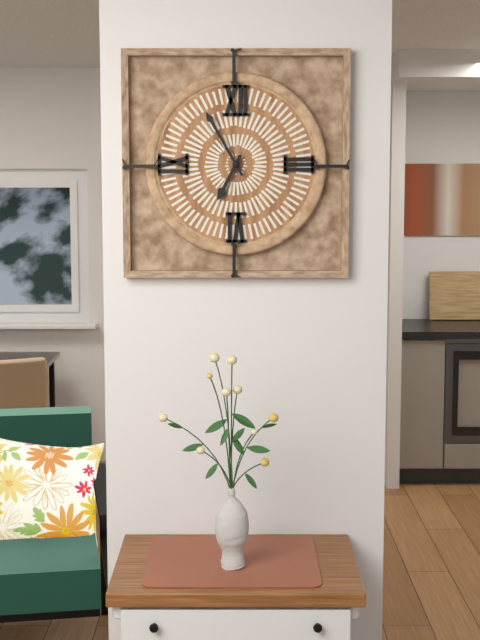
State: h=6 m=55
